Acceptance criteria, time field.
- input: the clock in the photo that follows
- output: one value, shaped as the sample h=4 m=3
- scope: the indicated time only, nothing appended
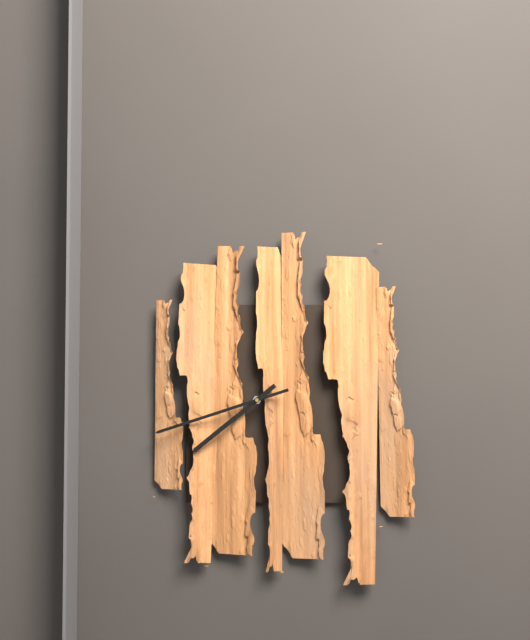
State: h=7 m=42
